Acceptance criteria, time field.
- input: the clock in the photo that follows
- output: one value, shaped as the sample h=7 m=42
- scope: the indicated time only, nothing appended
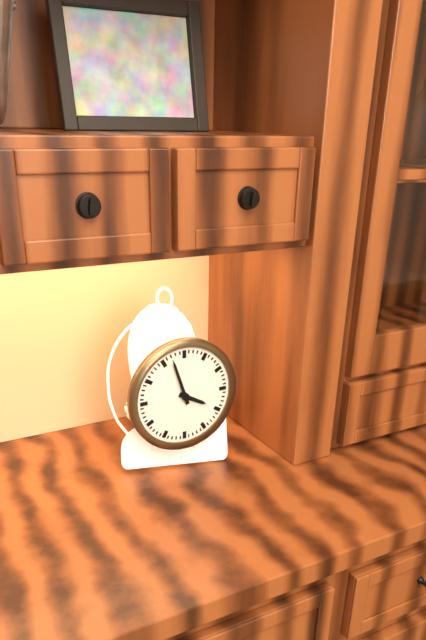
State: h=3 m=57
